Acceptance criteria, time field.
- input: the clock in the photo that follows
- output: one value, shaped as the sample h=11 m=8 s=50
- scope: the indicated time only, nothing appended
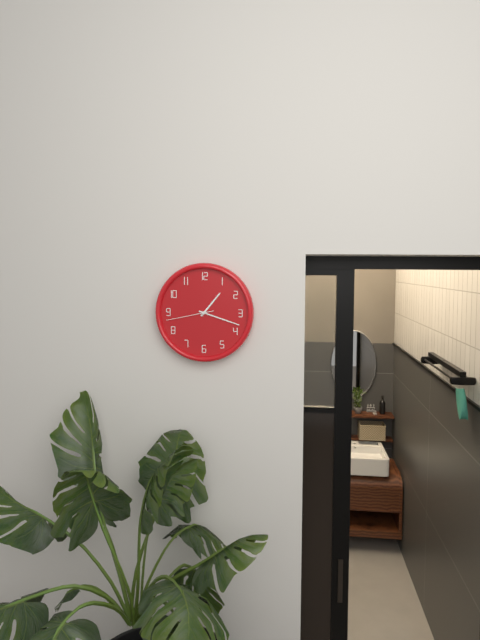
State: h=1 m=18 s=43
